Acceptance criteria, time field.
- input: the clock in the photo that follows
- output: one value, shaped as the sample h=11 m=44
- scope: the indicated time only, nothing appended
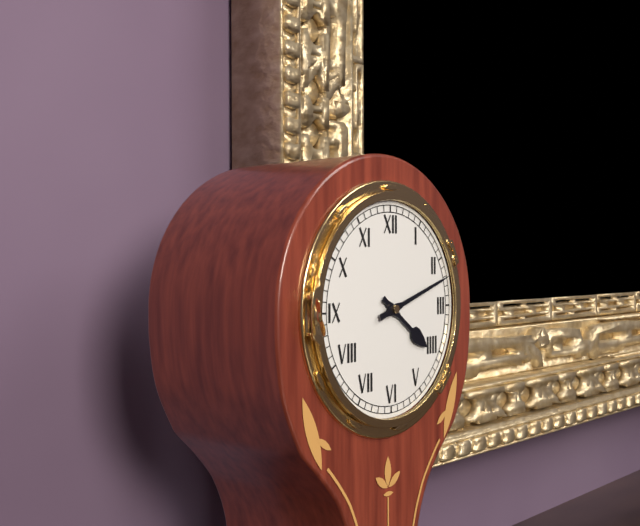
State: h=4 m=12
